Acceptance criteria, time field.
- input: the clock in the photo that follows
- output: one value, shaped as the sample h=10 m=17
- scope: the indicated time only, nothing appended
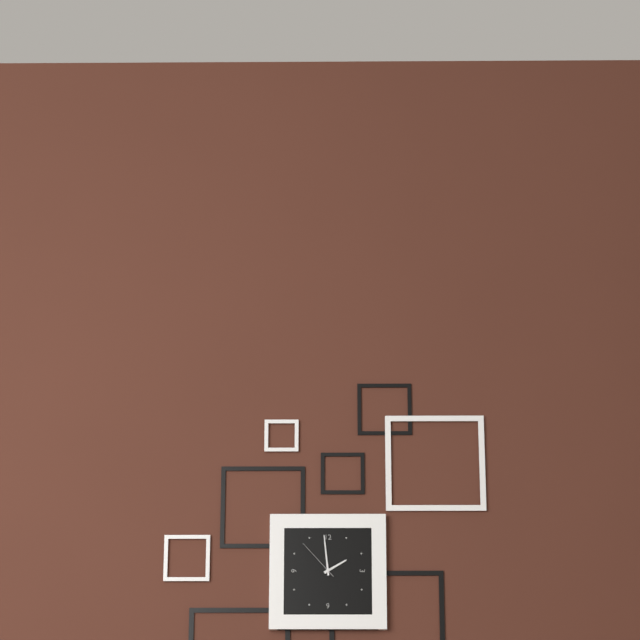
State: h=1 m=59
